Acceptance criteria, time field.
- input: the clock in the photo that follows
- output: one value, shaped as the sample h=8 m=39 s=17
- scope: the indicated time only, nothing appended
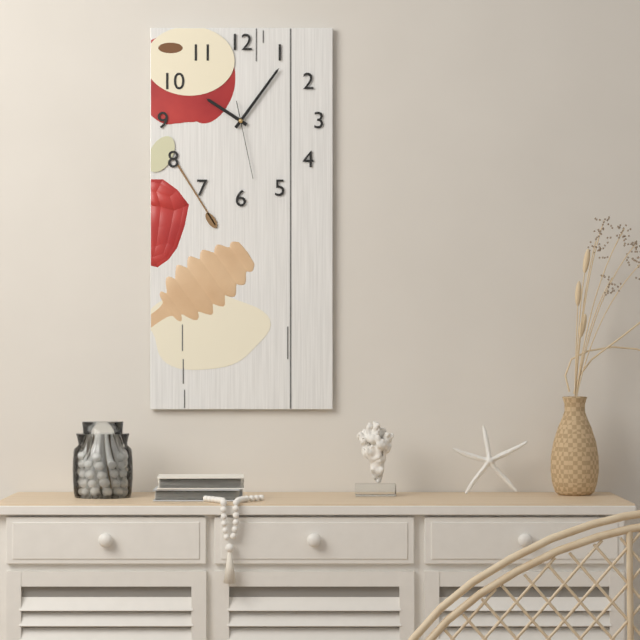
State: h=10 m=6 s=28
